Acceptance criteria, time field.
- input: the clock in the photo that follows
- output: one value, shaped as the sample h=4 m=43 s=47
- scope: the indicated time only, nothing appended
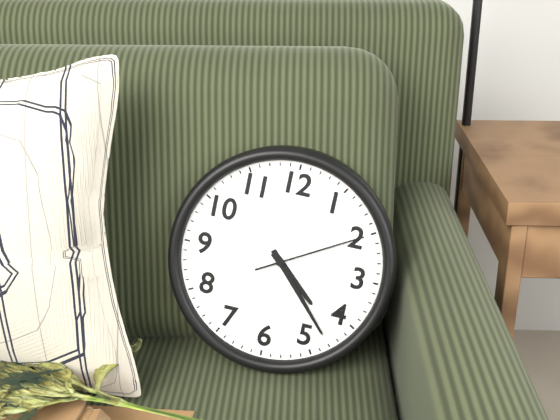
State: h=4 m=23 s=10
